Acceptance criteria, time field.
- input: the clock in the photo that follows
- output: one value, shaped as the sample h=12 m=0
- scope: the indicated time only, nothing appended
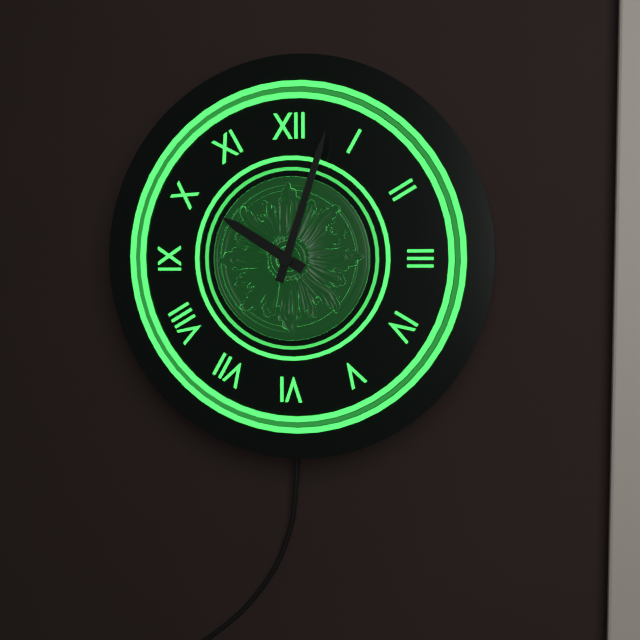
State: h=10 m=3
